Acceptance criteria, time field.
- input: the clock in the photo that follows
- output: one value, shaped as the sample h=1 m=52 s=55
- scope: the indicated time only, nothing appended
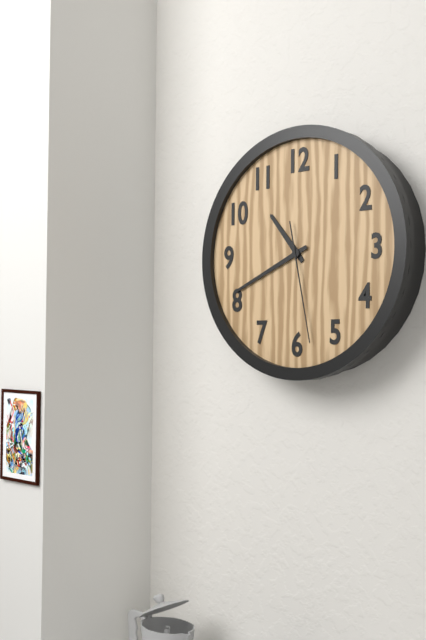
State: h=10 m=41 s=28
